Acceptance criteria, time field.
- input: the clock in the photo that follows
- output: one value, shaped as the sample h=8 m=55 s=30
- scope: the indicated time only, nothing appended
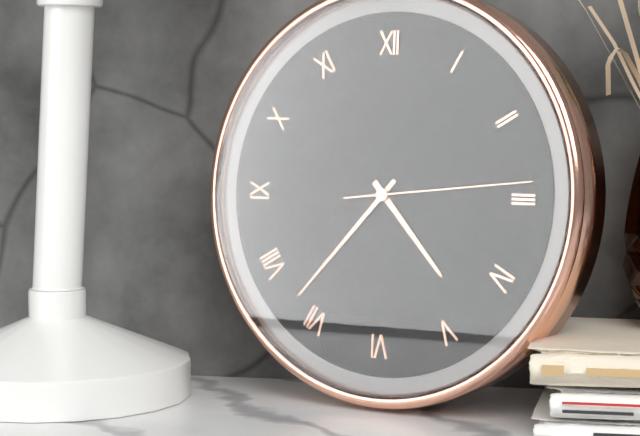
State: h=4 m=37 s=14
